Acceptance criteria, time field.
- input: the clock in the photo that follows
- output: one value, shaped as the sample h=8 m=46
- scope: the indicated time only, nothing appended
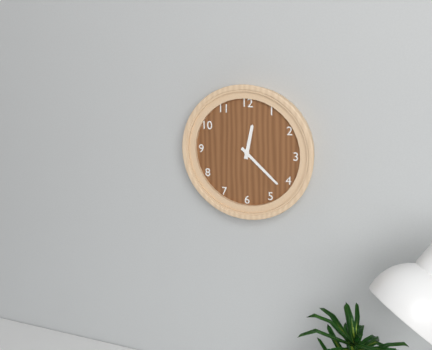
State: h=12 m=22
